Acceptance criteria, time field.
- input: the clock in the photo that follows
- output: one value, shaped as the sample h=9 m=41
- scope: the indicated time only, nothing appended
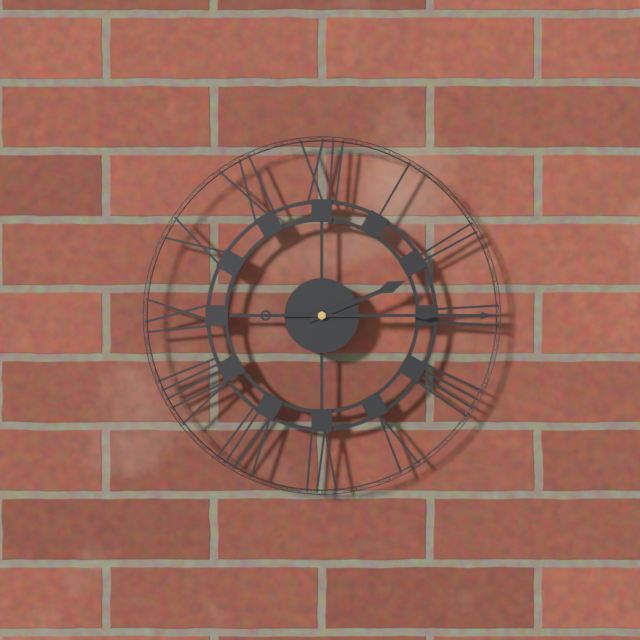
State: h=2 m=15
